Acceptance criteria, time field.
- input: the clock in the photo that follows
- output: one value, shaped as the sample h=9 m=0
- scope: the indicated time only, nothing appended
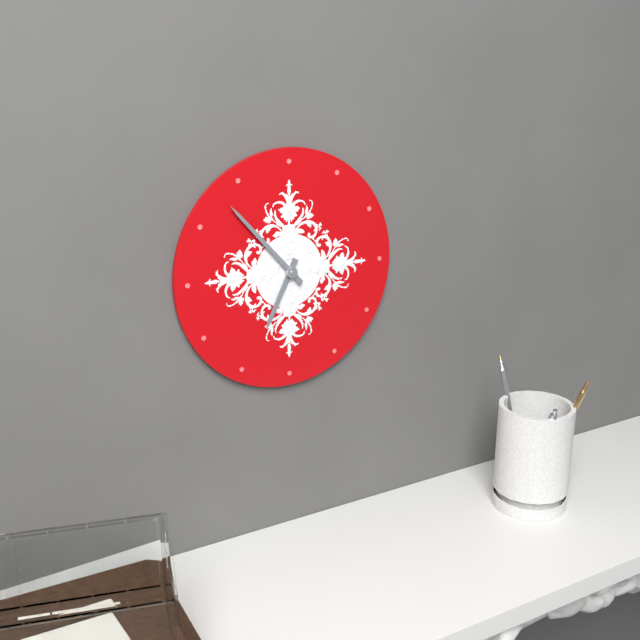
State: h=6 m=53
